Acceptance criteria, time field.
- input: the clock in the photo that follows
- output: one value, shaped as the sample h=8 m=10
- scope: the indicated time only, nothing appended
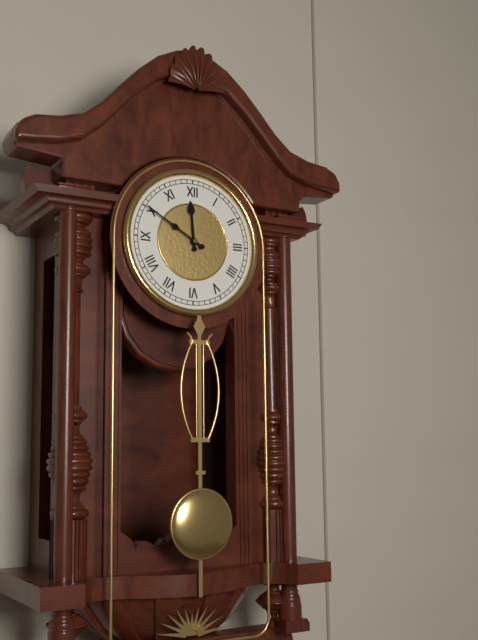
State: h=11 m=50
